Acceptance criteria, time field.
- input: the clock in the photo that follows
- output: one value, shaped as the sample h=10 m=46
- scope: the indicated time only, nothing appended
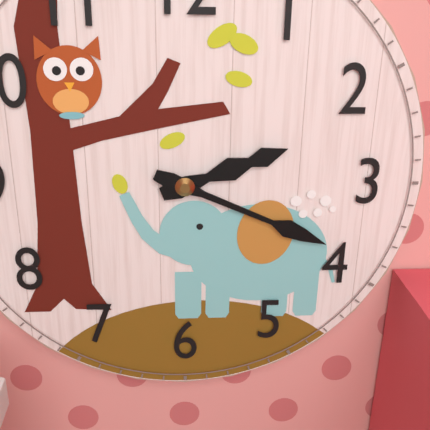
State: h=2 m=19
